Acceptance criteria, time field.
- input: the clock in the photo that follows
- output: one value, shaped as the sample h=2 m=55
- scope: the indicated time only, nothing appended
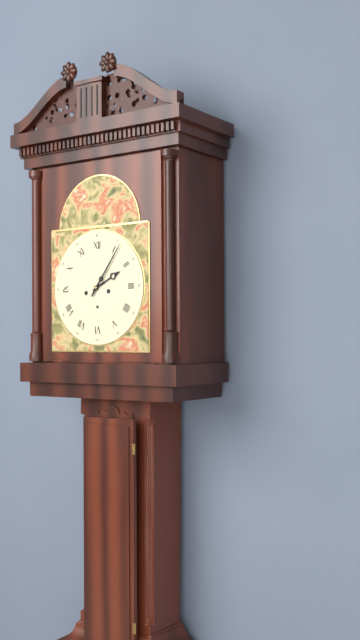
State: h=2 m=6
